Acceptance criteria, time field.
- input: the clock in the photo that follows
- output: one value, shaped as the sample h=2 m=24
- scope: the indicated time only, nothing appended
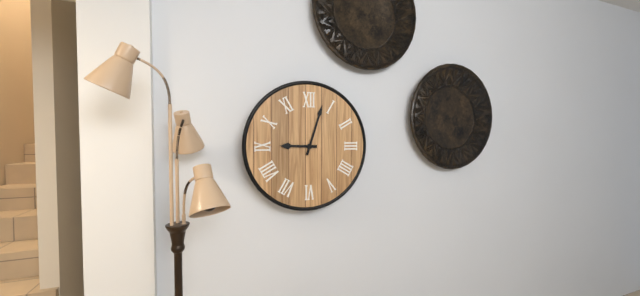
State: h=9 m=3
